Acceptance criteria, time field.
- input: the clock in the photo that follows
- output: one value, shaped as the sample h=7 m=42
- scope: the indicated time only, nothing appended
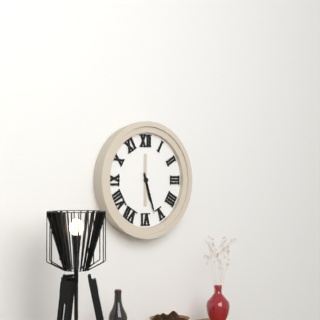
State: h=5 m=27
